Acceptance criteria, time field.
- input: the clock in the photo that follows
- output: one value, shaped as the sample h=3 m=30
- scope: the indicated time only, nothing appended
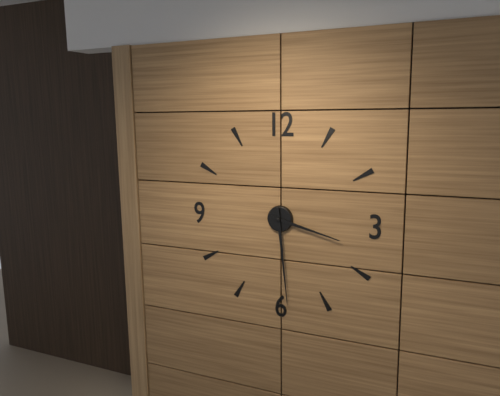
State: h=3 m=29
